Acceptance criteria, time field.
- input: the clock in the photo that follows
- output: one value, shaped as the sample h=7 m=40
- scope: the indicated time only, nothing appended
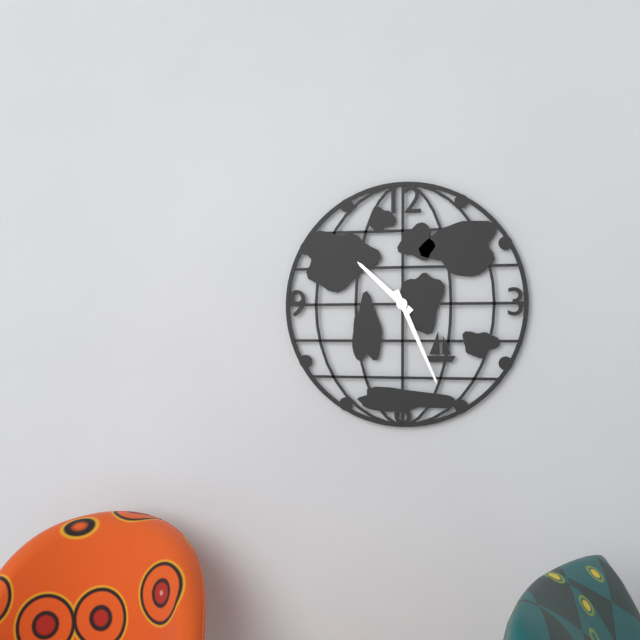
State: h=10 m=26
